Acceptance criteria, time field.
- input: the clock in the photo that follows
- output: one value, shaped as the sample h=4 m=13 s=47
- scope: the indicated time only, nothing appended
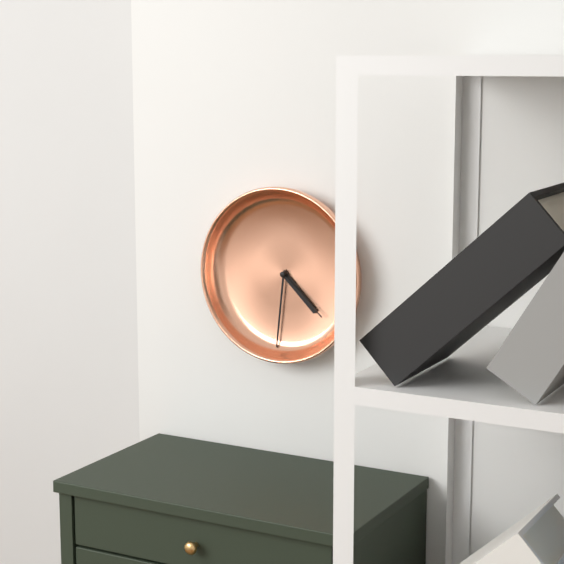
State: h=4 m=31 s=22
